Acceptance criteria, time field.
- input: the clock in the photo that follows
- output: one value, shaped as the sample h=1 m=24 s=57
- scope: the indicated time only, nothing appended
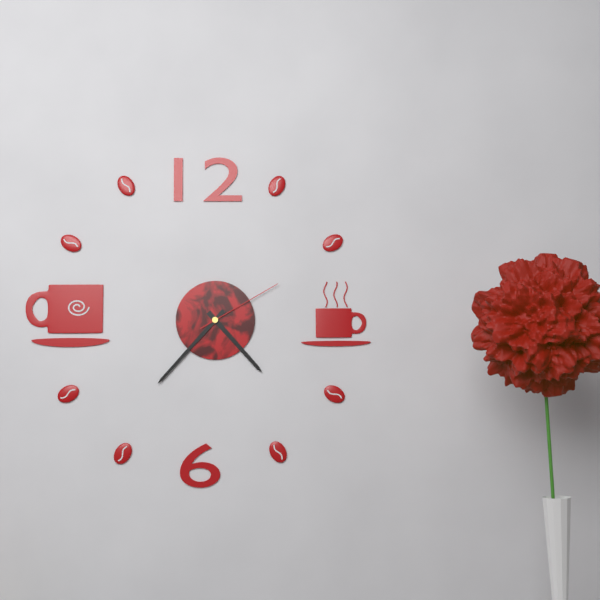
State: h=4 m=37 s=10
